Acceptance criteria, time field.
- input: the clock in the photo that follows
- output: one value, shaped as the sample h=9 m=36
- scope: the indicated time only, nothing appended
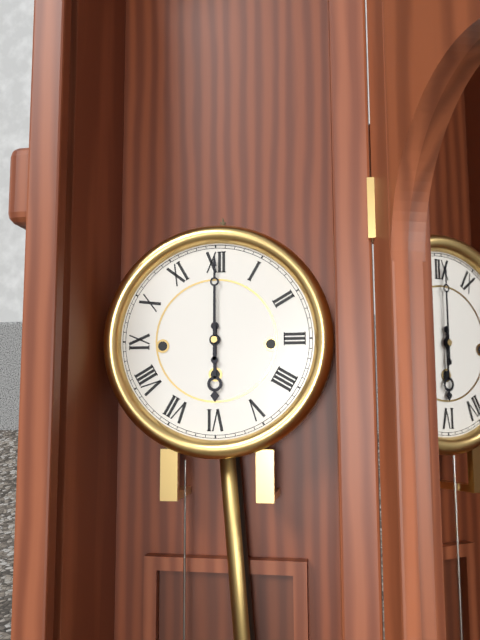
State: h=6 m=0
